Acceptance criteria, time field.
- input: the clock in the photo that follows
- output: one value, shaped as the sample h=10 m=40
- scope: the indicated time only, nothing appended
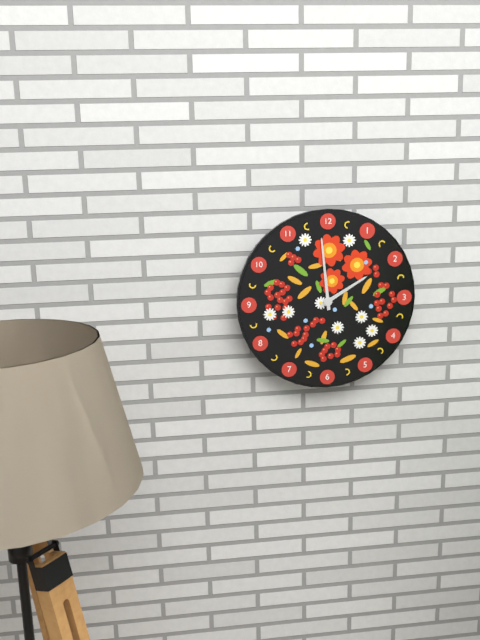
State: h=1 m=59
